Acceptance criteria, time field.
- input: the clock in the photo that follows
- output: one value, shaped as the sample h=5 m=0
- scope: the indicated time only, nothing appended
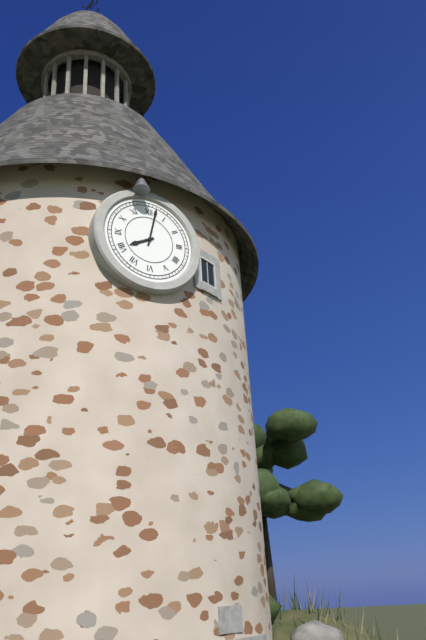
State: h=8 m=2
